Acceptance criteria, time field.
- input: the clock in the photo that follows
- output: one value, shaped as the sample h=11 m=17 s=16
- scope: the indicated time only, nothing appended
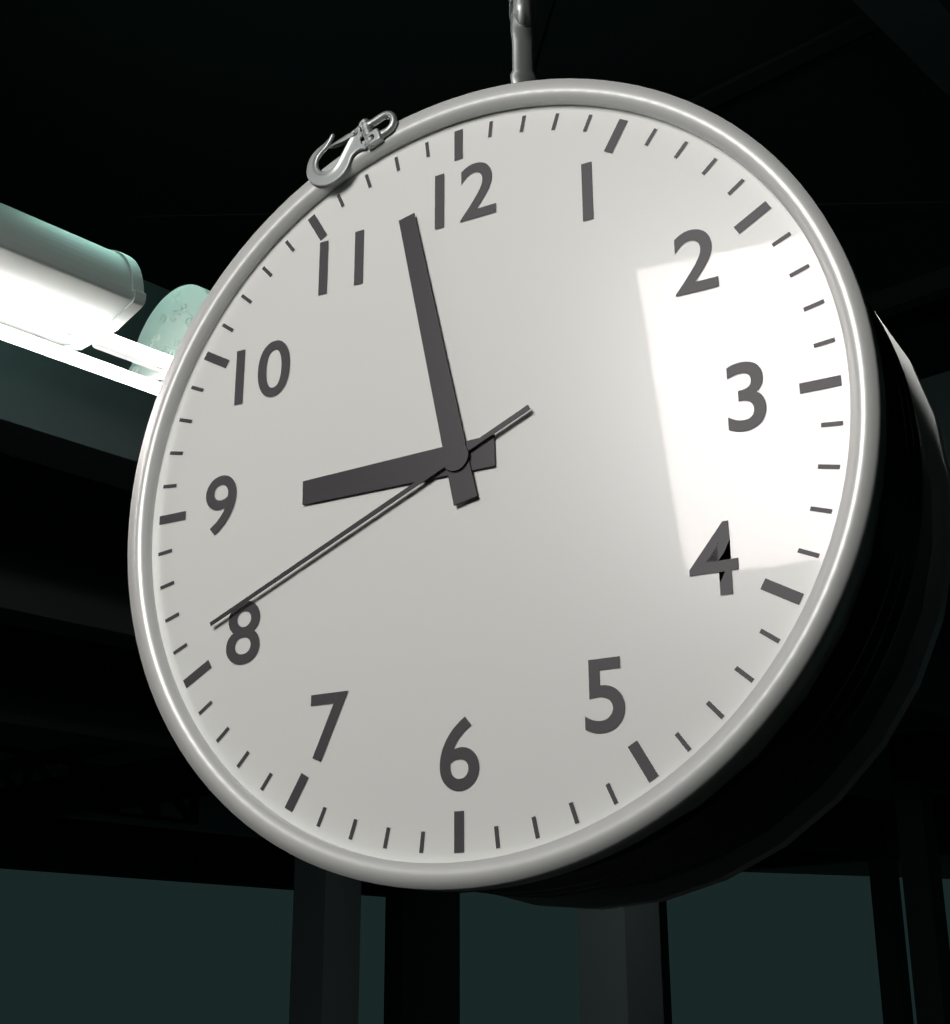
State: h=8 m=58 s=41
